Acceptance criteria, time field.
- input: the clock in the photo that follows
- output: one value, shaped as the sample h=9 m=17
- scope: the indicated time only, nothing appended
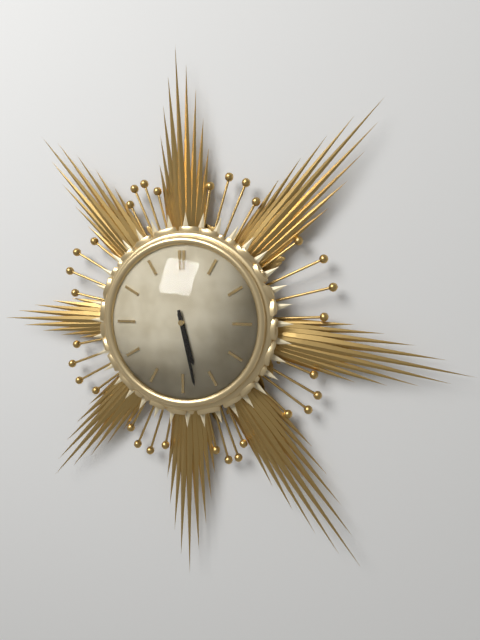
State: h=5 m=28
